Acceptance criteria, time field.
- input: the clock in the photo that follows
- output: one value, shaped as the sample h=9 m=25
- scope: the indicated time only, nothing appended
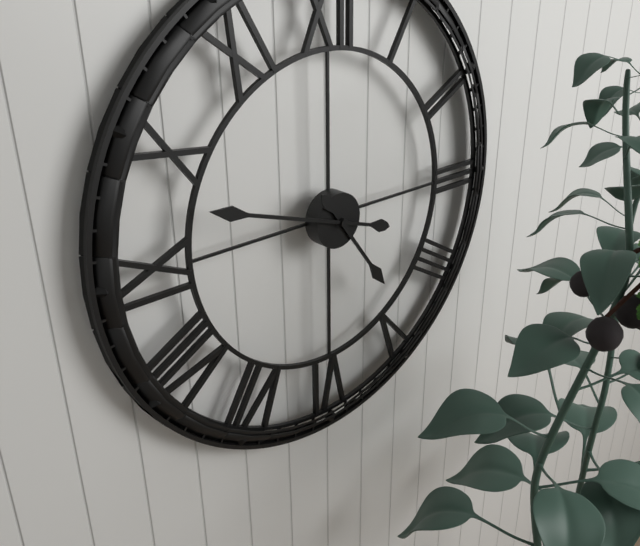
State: h=4 m=48
